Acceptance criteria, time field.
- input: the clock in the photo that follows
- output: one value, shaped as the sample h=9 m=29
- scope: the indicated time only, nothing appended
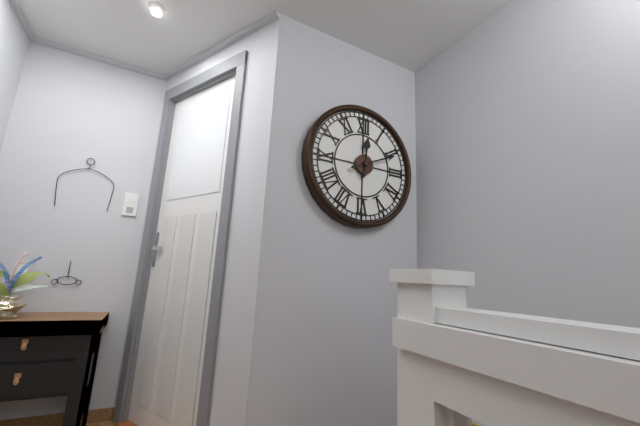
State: h=12 m=11
